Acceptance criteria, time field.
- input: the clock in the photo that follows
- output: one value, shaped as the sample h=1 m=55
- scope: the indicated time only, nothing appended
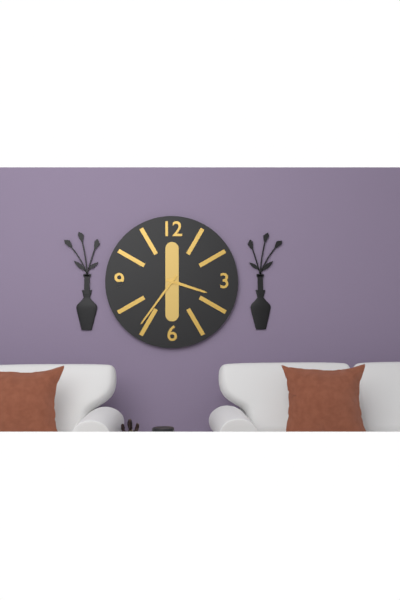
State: h=3 m=36
